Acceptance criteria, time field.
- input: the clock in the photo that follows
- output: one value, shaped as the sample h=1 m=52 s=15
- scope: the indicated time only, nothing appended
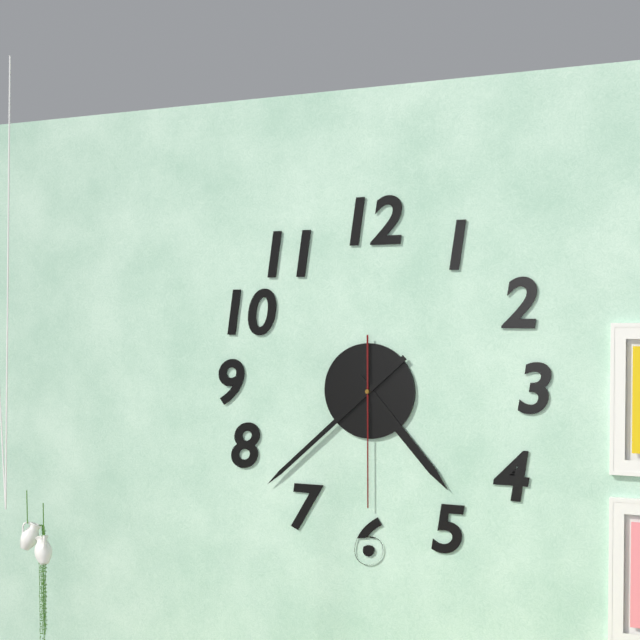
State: h=4 m=38 s=30
